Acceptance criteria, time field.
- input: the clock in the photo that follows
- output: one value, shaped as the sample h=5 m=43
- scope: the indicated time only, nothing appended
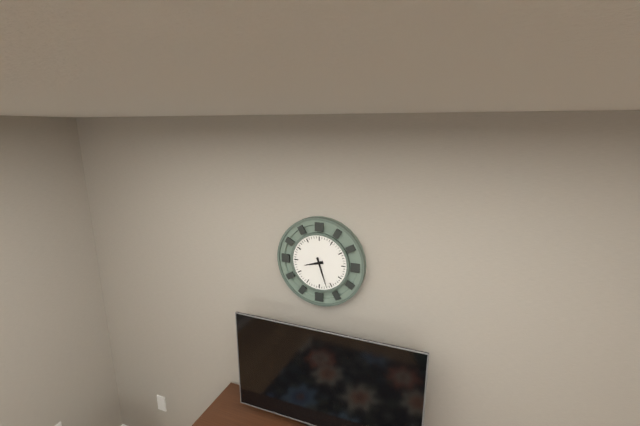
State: h=8 m=27
